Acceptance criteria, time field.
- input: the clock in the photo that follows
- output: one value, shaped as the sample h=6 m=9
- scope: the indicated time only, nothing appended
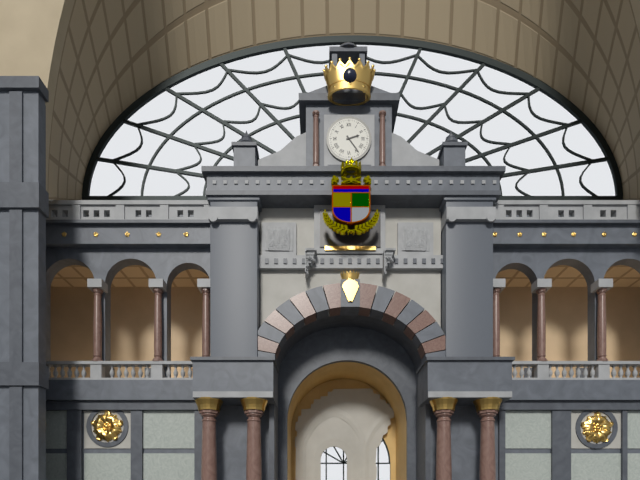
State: h=2 m=24
